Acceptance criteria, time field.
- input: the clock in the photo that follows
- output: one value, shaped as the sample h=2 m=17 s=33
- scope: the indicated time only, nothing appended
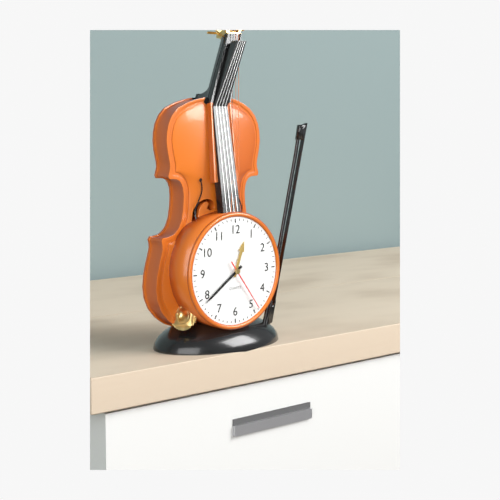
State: h=12 m=39 s=24
